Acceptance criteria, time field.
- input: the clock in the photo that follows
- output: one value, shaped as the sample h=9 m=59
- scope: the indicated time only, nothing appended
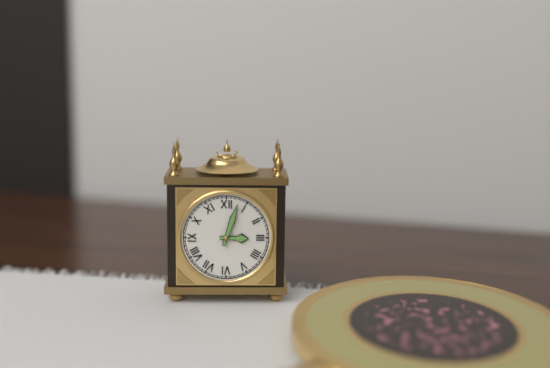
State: h=3 m=3
